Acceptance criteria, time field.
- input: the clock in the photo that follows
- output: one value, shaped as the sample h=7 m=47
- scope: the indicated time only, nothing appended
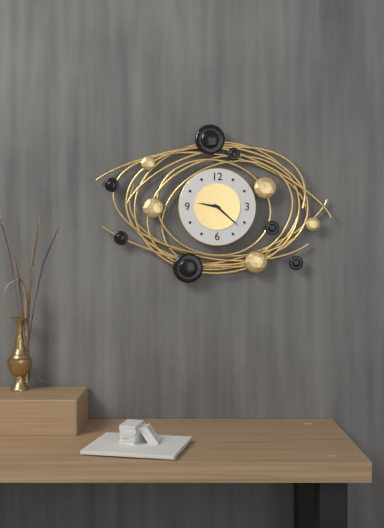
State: h=9 m=22
